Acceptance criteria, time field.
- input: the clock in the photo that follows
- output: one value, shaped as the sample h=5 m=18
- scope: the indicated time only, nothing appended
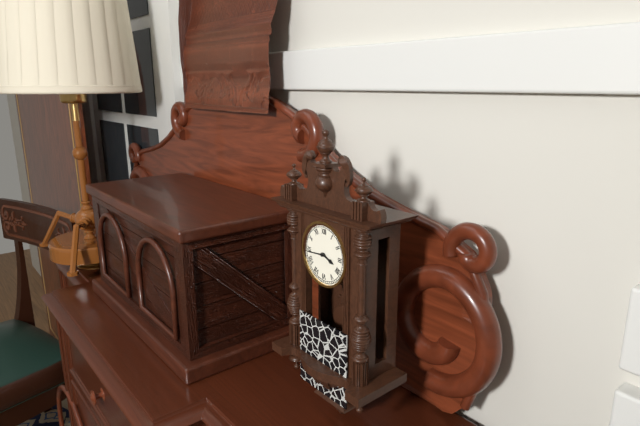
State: h=3 m=44
